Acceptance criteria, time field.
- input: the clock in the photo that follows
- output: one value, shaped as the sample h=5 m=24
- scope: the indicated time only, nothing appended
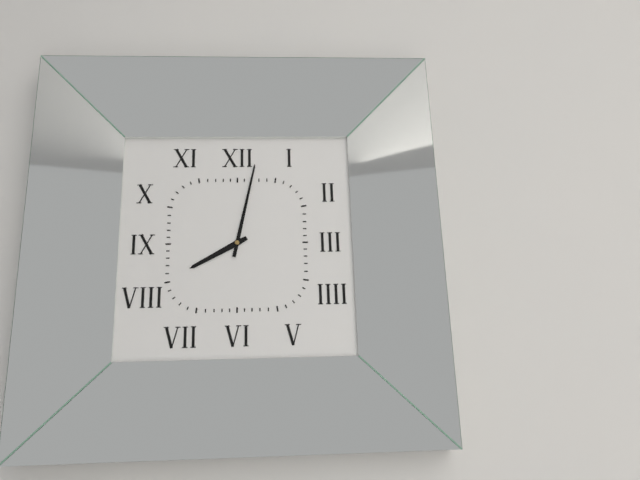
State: h=8 m=2
